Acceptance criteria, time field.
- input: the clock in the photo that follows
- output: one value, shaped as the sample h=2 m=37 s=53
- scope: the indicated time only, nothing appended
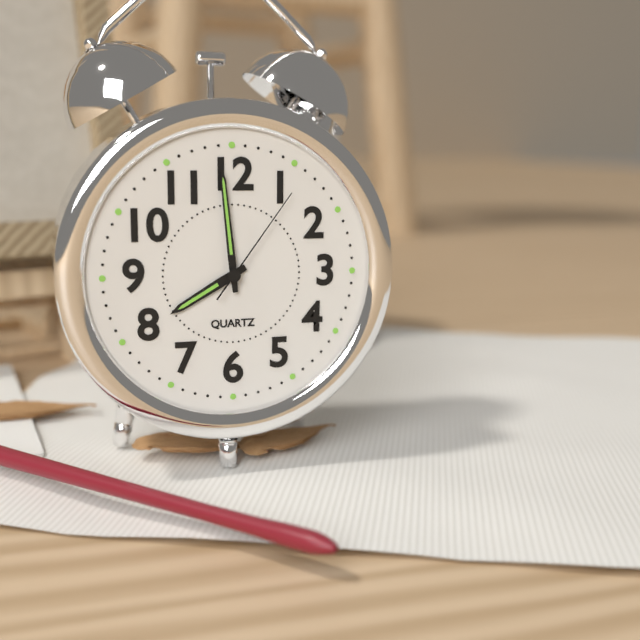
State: h=7 m=59 s=6
